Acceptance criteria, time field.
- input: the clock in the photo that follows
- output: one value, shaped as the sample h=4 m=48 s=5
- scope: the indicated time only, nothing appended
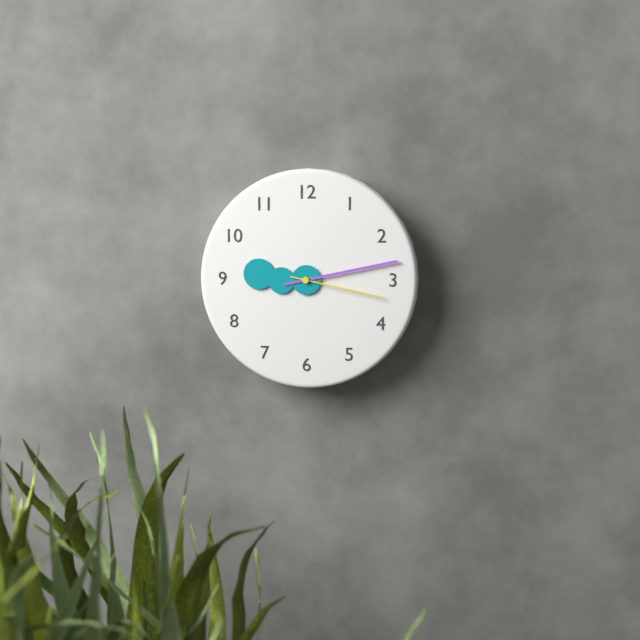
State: h=9 m=13 s=17
